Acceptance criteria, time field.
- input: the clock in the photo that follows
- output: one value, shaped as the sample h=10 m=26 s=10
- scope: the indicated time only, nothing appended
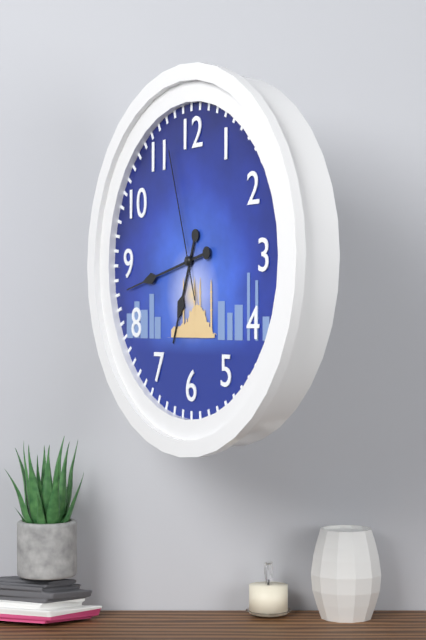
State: h=6 m=43 s=57
